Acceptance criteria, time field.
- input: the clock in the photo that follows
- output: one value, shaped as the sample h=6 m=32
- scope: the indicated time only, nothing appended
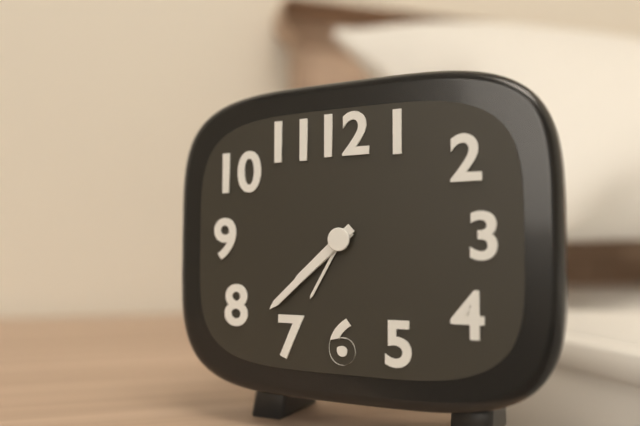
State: h=7 m=38
